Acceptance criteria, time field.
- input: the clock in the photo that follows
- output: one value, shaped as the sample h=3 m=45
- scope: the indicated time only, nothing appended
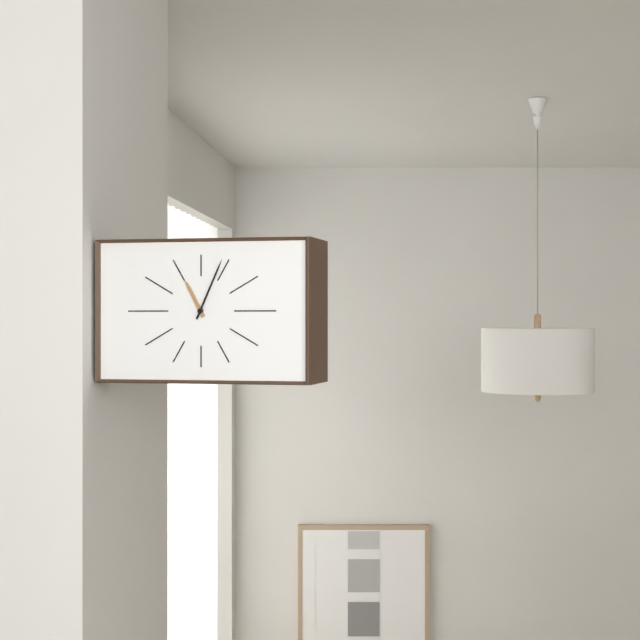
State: h=11 m=4
